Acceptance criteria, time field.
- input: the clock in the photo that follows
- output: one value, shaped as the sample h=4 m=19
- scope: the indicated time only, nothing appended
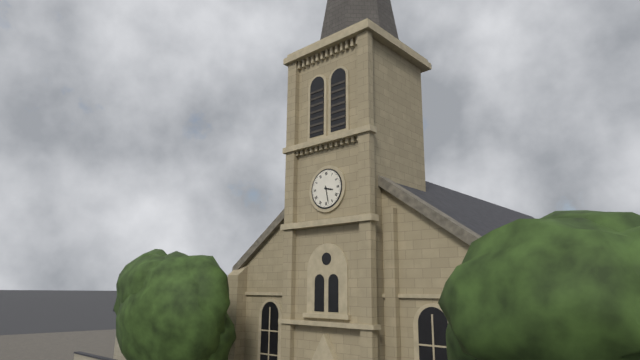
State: h=3 m=28
